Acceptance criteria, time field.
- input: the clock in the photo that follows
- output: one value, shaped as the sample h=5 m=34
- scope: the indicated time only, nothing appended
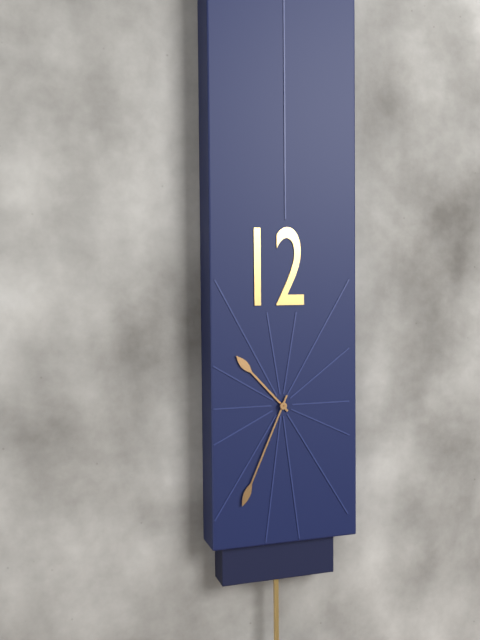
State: h=10 m=34
